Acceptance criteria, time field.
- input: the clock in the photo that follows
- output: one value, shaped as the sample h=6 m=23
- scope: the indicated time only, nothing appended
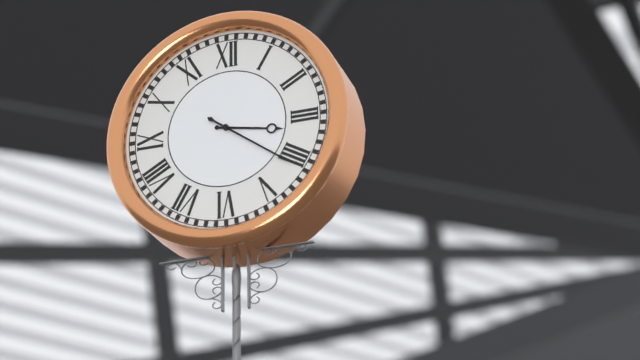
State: h=3 m=21
